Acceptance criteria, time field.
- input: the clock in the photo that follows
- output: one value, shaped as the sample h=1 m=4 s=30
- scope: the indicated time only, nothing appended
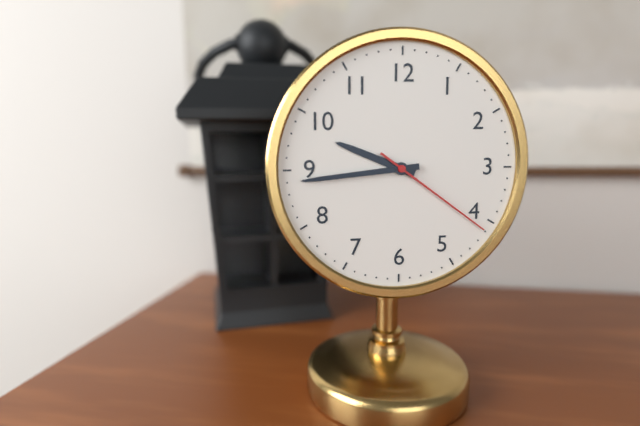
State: h=9 m=44 s=21
